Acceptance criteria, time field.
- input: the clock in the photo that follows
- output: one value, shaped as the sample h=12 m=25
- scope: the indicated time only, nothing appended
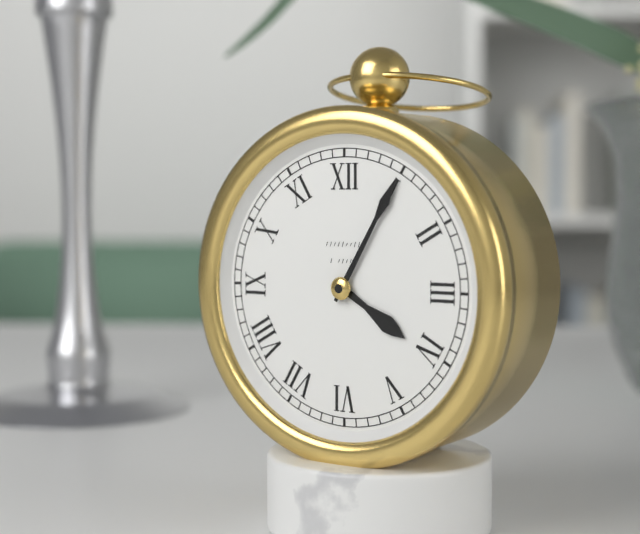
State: h=4 m=5
